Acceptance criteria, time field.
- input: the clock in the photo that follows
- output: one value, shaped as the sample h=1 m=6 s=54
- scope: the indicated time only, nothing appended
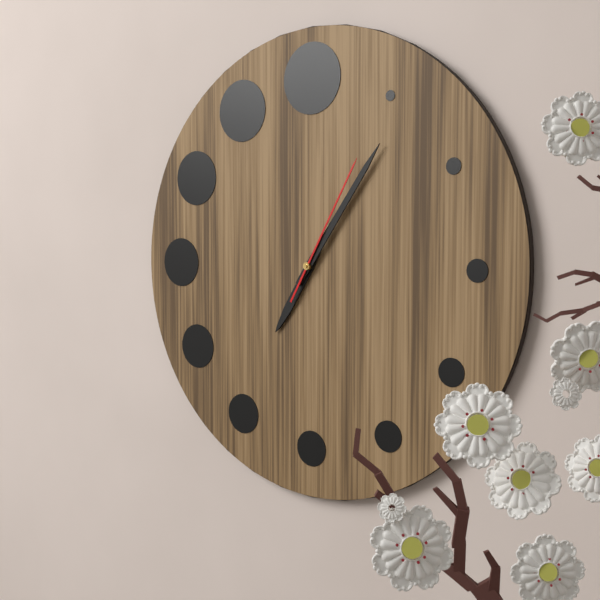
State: h=7 m=6 s=5
